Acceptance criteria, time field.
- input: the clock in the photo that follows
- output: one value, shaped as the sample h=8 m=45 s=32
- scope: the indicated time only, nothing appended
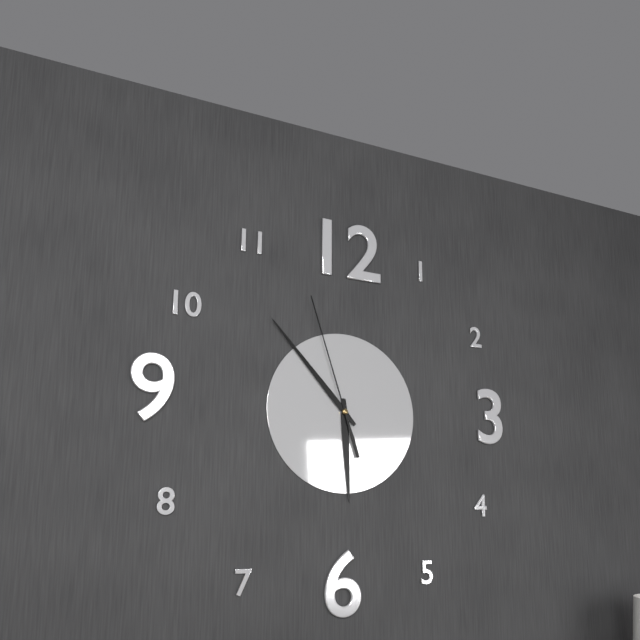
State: h=5 m=53 s=57
